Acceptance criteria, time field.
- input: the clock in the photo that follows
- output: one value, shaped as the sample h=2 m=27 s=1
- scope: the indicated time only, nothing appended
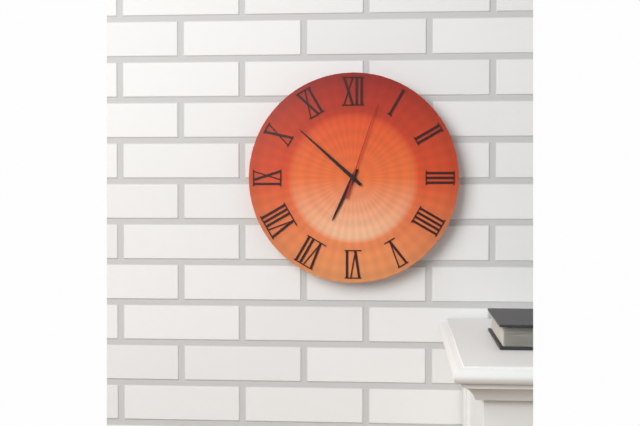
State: h=6 m=52 s=3
